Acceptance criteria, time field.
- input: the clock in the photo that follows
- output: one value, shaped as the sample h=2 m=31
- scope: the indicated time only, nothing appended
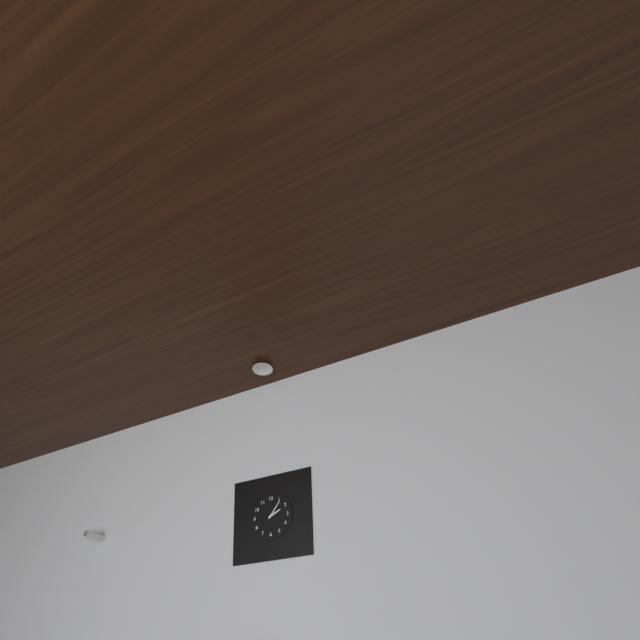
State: h=2 m=6
